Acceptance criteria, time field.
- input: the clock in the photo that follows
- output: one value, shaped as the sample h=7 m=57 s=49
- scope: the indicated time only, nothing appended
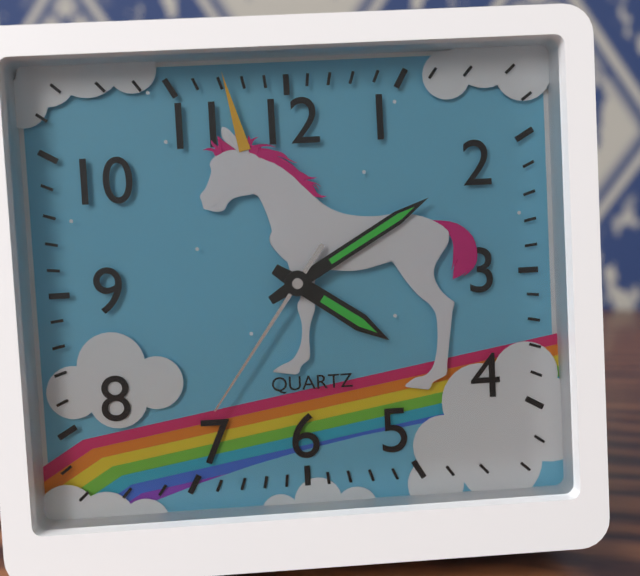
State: h=4 m=10 s=36
